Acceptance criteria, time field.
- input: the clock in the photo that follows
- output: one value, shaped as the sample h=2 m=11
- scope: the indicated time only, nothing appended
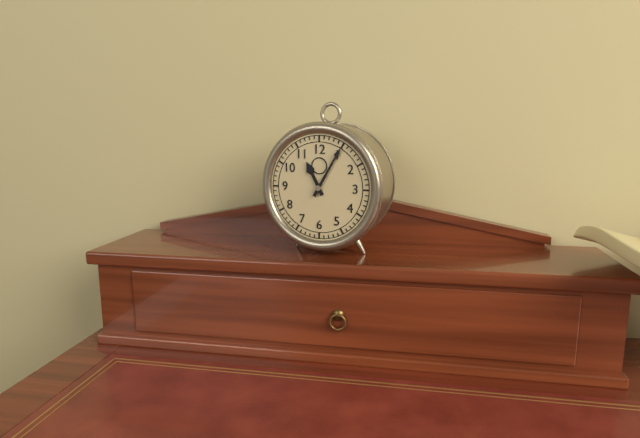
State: h=11 m=5
